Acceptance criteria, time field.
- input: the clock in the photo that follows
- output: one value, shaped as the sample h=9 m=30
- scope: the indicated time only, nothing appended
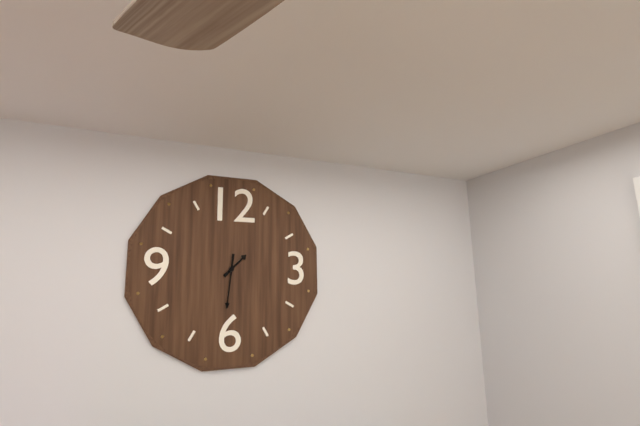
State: h=1 m=31
